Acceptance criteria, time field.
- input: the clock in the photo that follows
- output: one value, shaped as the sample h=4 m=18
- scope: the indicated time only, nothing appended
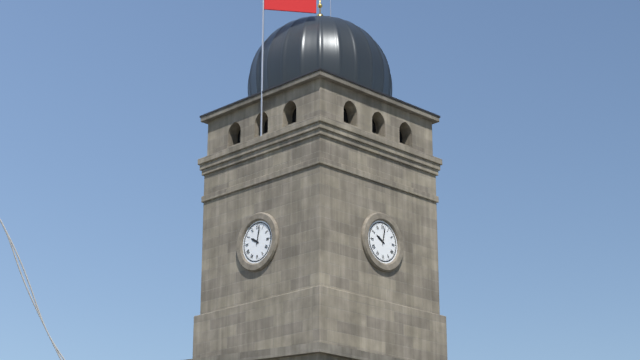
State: h=10 m=2
